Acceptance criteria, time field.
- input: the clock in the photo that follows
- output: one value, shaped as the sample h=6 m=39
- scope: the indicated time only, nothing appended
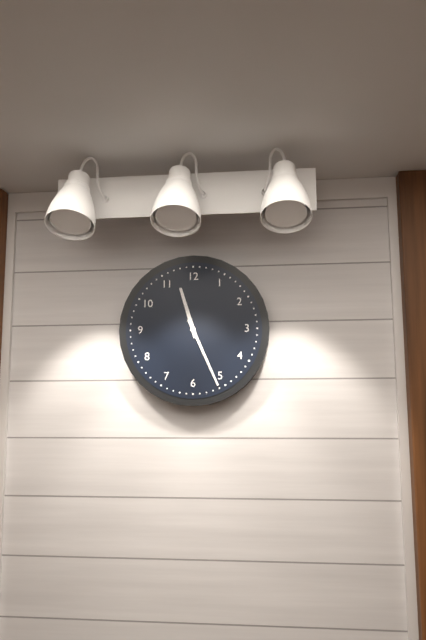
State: h=11 m=26
